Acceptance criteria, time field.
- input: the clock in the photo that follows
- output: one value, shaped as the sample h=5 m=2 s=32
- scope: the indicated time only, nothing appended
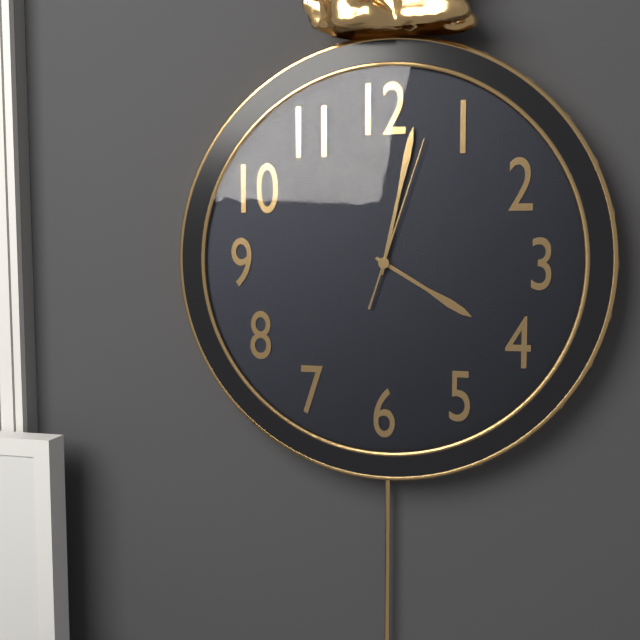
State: h=4 m=2 s=3
